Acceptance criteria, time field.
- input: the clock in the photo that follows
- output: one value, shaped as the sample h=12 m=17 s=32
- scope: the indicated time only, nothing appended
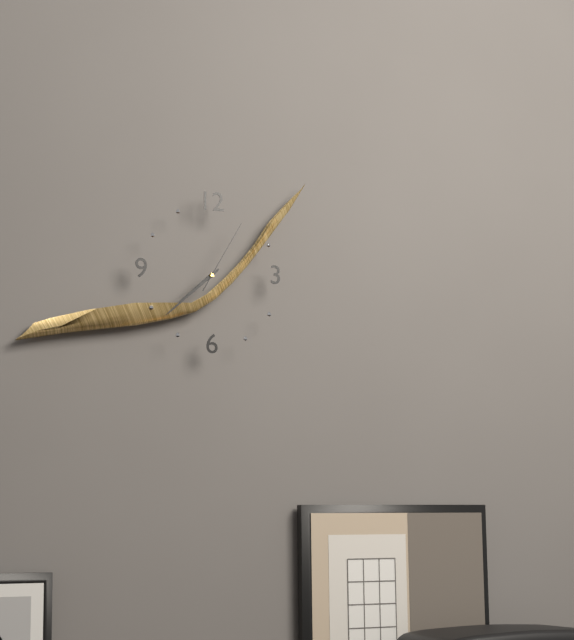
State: h=7 m=38 s=5
